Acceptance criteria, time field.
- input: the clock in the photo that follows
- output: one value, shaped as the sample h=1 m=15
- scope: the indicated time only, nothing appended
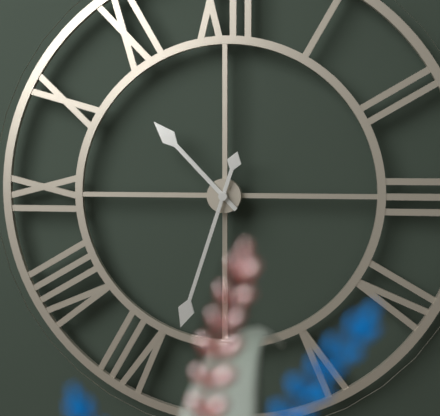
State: h=10 m=33
